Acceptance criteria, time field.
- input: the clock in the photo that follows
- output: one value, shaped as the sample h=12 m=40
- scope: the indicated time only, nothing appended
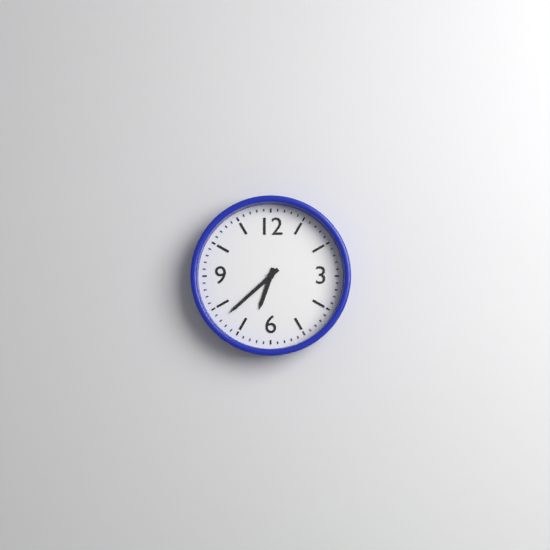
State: h=6 m=38
